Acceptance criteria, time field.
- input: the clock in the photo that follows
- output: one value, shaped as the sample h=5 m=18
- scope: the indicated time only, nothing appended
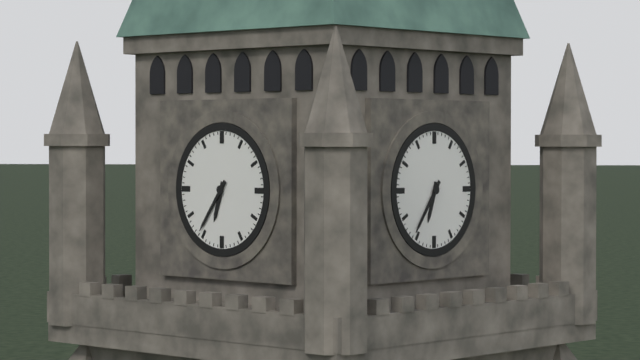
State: h=6 m=36
